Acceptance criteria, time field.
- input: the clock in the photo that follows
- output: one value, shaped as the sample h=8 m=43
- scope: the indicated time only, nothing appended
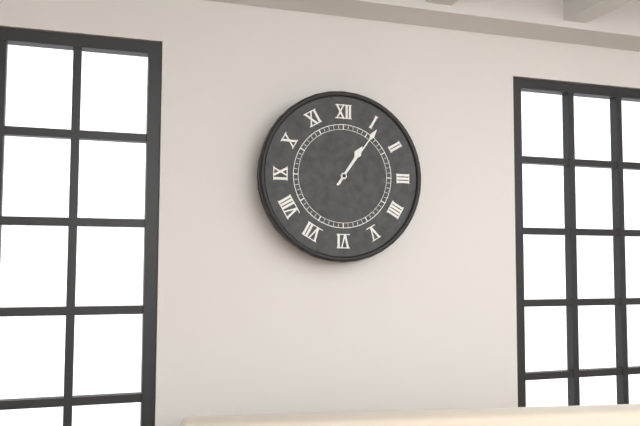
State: h=1 m=6
